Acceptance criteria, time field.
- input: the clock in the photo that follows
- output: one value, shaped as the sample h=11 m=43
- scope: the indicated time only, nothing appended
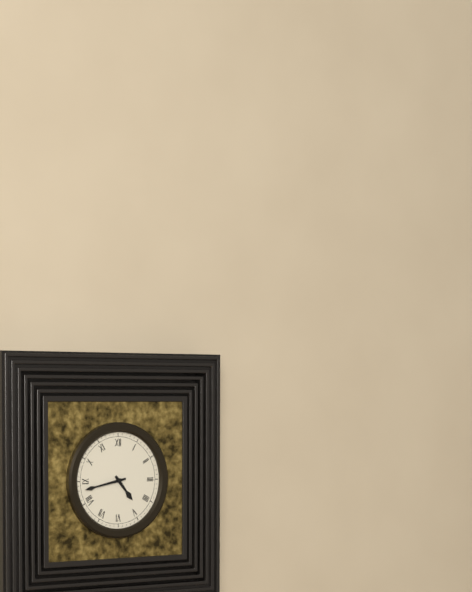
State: h=4 m=43
